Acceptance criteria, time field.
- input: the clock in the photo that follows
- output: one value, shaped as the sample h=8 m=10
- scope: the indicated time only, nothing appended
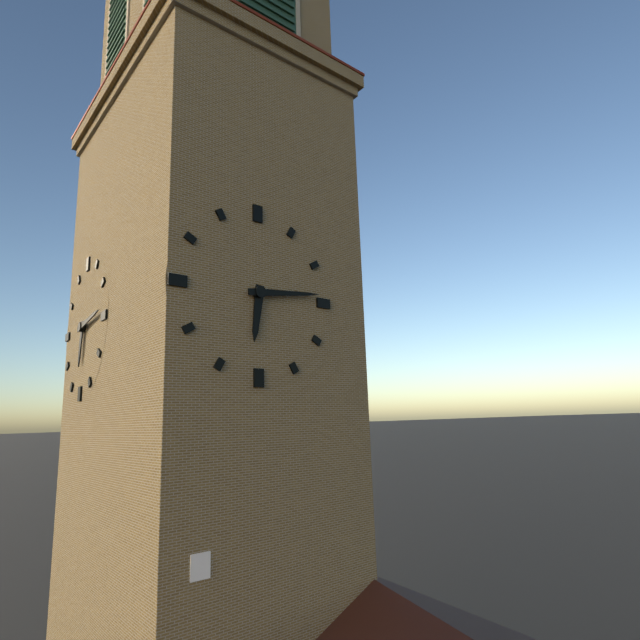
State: h=6 m=14
